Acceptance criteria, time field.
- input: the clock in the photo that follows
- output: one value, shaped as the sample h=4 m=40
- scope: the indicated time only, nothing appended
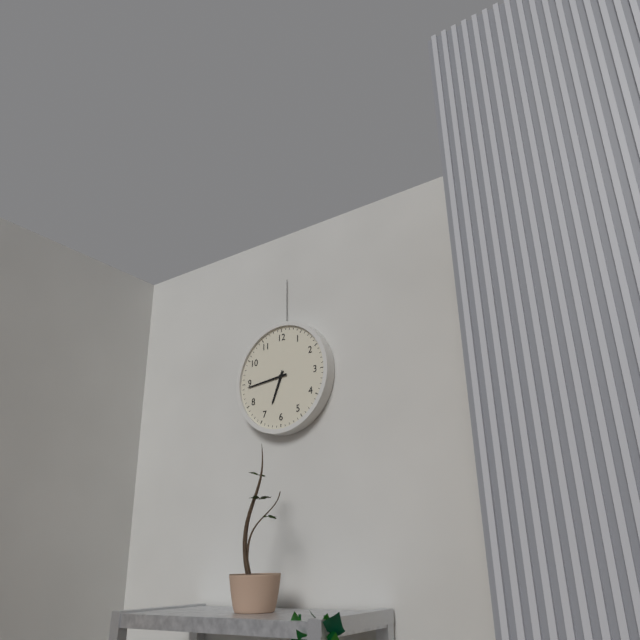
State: h=6 m=44
